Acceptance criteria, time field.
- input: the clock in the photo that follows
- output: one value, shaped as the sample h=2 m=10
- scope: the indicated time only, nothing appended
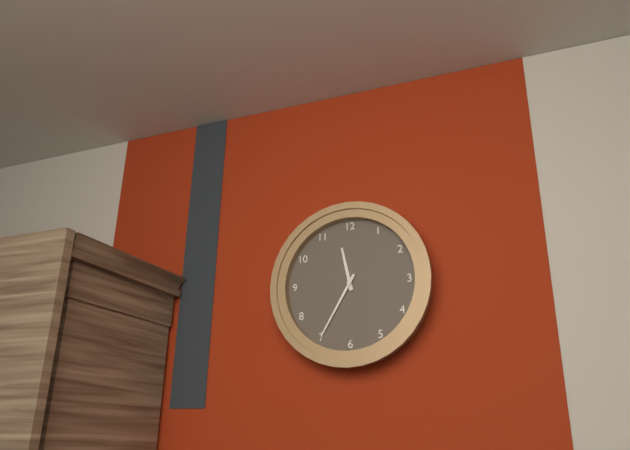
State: h=11 m=35
